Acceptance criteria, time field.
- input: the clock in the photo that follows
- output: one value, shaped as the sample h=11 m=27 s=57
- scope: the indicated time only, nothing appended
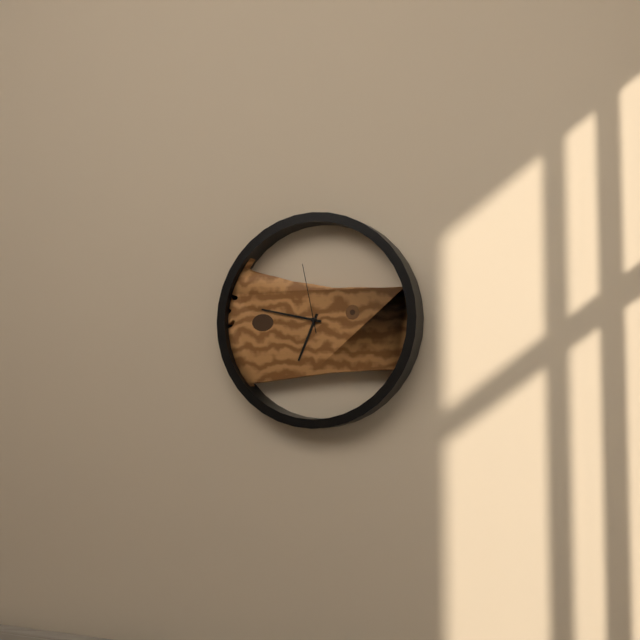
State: h=6 m=47 s=58
